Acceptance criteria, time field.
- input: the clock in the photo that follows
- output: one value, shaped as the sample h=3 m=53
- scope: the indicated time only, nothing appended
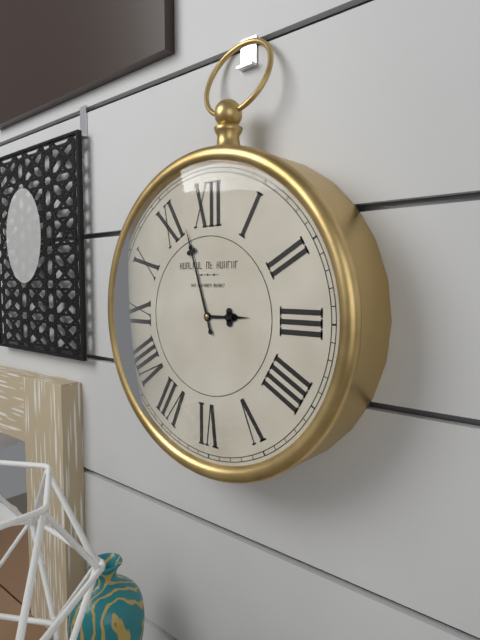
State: h=2 m=57
